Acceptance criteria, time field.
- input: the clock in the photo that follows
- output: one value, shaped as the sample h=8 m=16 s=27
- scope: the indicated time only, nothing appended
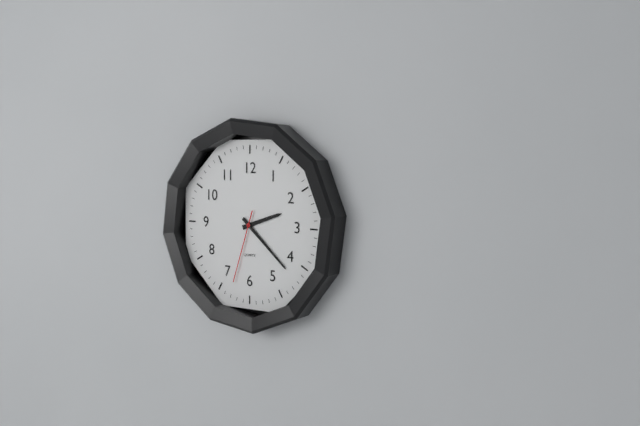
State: h=2 m=22 s=33
